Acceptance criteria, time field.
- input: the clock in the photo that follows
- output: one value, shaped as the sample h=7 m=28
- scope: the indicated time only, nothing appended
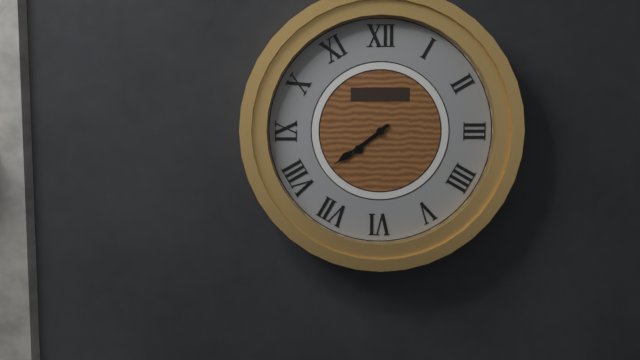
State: h=7 m=39
